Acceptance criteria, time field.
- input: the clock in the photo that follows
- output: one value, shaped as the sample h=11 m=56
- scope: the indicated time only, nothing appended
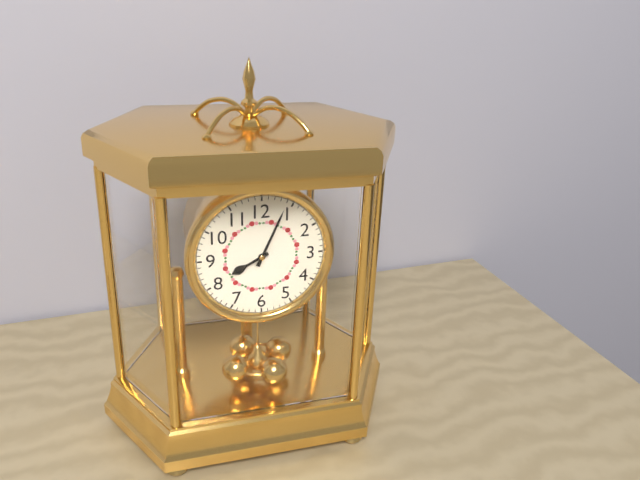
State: h=8 m=4
